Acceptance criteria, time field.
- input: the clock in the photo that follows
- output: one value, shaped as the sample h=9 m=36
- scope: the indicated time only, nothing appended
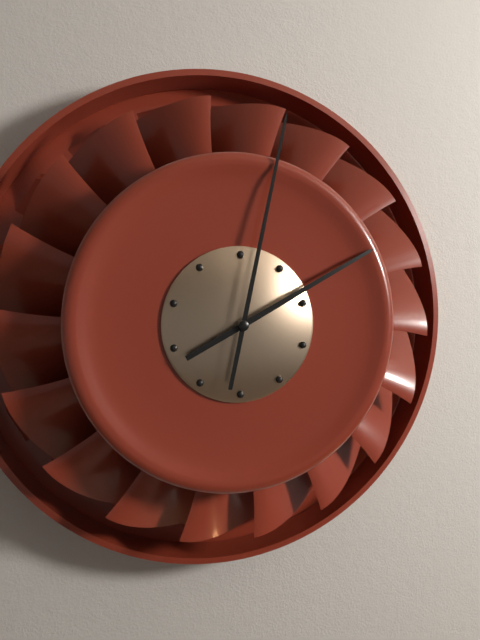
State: h=2 m=2
